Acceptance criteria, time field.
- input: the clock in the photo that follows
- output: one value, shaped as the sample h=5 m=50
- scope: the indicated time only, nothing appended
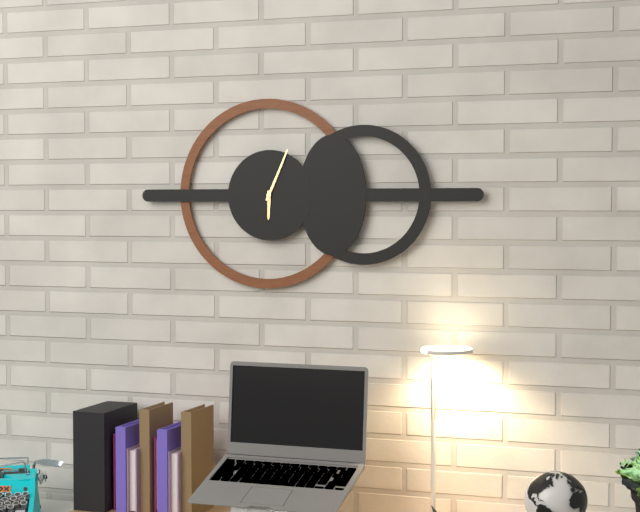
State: h=6 m=4
